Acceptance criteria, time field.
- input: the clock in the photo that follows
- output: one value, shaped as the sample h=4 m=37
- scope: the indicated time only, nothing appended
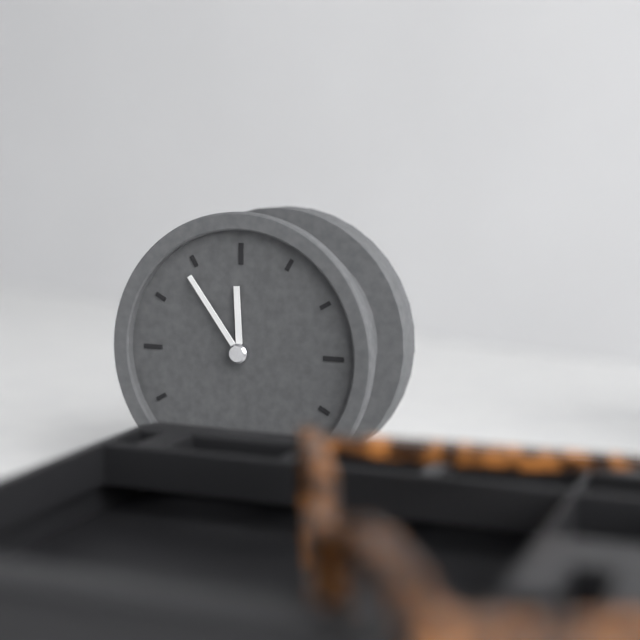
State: h=11 m=54
